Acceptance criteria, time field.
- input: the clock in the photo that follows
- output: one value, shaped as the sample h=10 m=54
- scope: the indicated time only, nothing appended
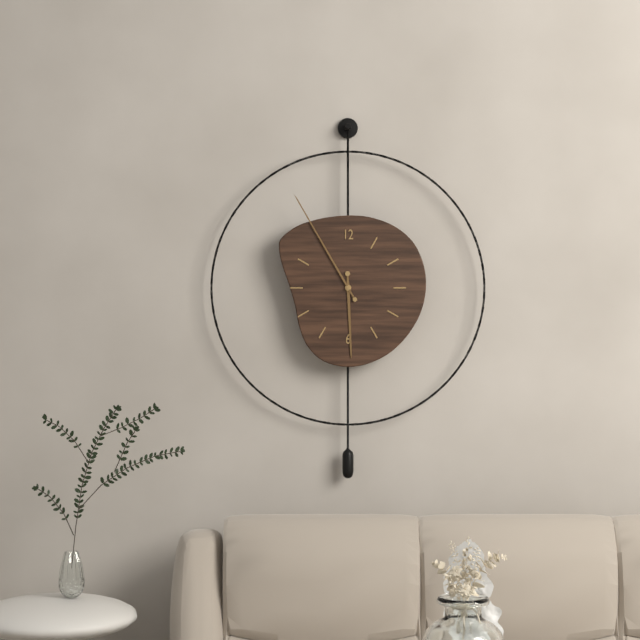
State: h=5 m=55
